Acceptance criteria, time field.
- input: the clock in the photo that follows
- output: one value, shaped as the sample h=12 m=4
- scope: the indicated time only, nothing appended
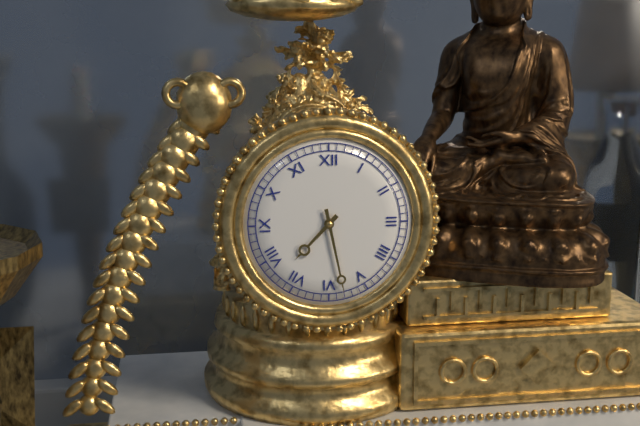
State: h=7 m=28
